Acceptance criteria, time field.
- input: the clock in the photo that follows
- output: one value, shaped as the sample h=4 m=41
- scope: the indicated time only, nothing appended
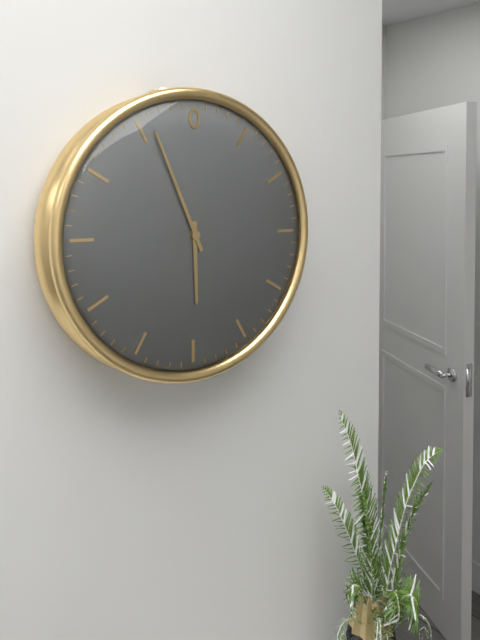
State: h=5 m=56
